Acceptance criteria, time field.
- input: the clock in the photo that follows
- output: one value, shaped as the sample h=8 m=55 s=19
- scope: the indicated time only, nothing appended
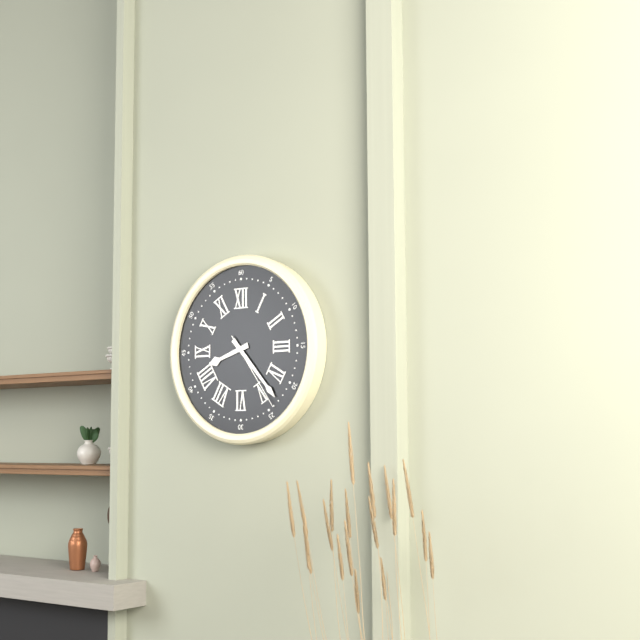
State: h=8 m=23 s=24
